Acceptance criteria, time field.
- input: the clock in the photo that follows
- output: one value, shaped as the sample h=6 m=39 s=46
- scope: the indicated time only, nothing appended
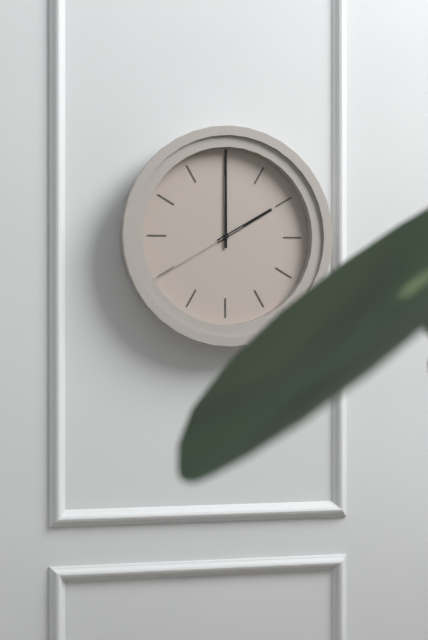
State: h=2 m=0 s=40
